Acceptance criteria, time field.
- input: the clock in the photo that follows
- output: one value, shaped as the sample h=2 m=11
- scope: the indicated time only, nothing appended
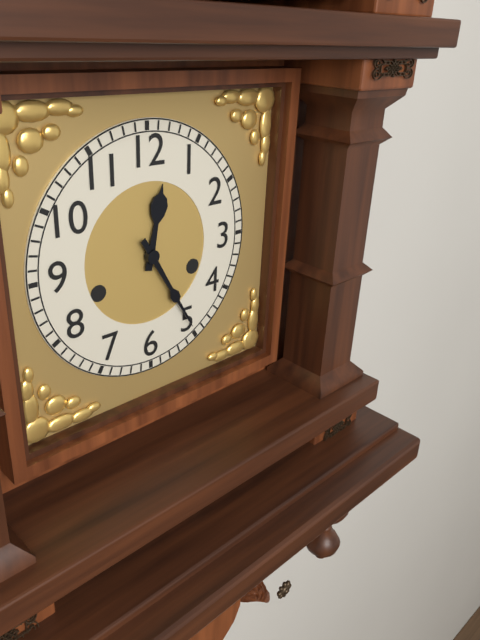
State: h=12 m=25
